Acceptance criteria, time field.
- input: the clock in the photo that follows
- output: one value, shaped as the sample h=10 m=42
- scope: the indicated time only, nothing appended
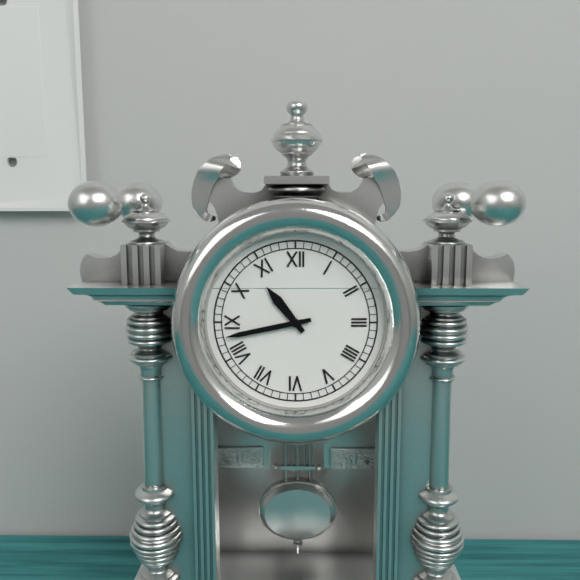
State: h=10 m=43
